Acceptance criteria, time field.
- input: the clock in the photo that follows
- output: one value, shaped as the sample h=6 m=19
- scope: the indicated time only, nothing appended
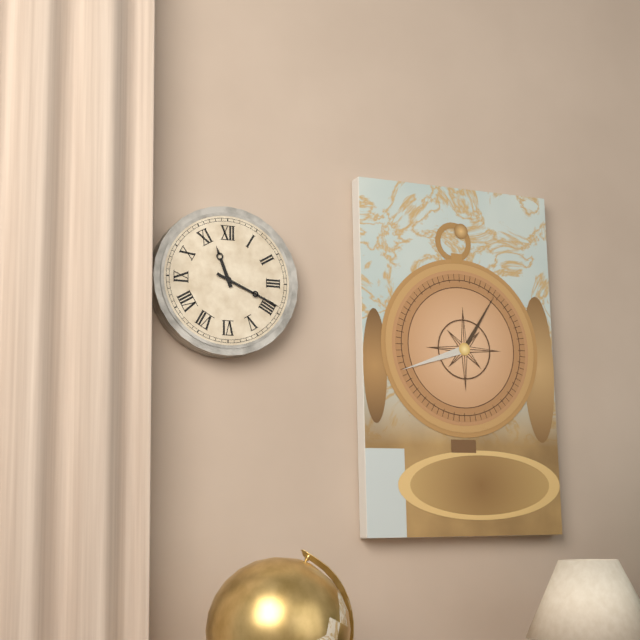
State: h=11 m=19
